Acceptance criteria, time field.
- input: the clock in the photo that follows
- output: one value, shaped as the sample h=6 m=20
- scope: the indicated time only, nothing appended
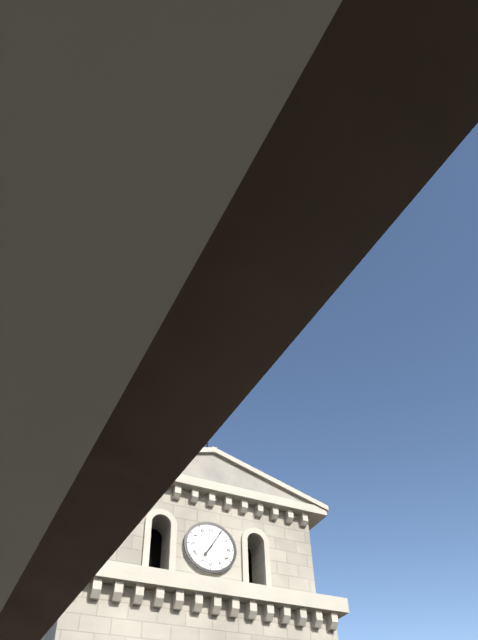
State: h=7 m=5
